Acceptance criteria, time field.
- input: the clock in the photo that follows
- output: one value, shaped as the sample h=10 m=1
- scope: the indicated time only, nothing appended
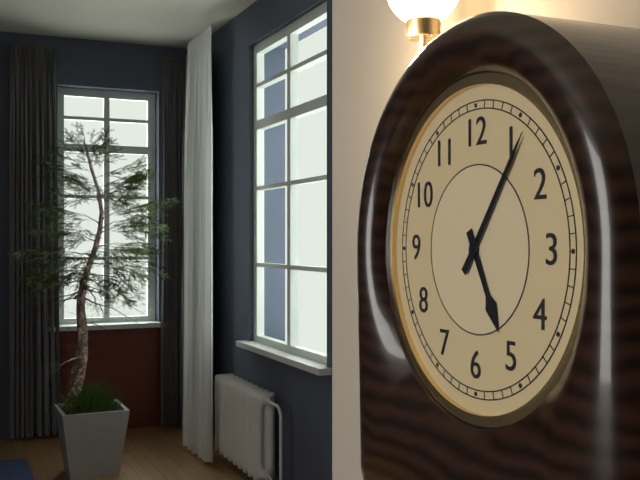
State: h=5 m=6
